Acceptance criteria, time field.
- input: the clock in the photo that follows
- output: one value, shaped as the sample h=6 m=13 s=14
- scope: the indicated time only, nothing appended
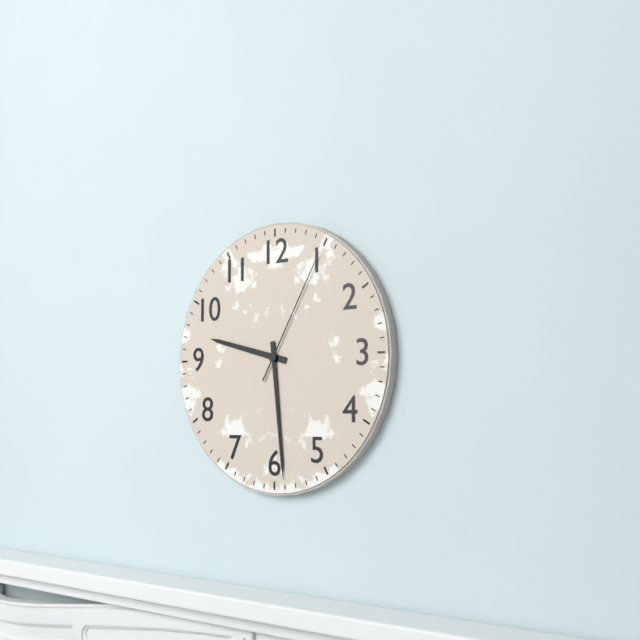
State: h=9 m=29 s=5
